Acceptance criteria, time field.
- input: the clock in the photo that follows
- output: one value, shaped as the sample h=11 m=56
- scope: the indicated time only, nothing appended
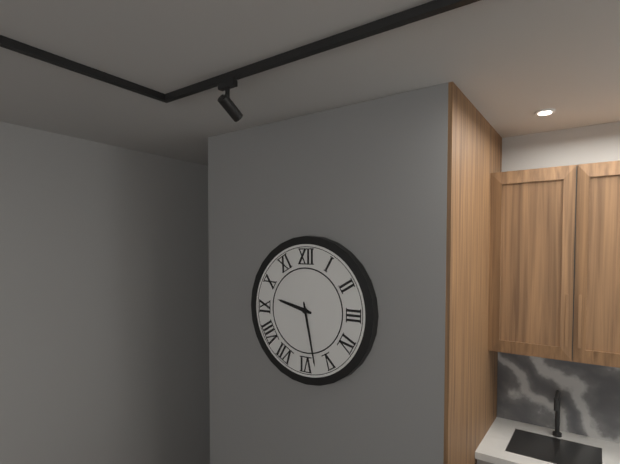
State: h=9 m=28
